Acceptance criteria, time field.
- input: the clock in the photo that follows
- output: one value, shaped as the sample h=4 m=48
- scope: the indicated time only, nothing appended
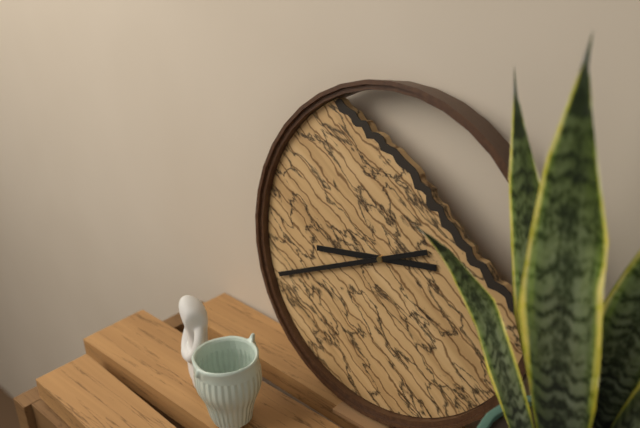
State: h=8 m=41
